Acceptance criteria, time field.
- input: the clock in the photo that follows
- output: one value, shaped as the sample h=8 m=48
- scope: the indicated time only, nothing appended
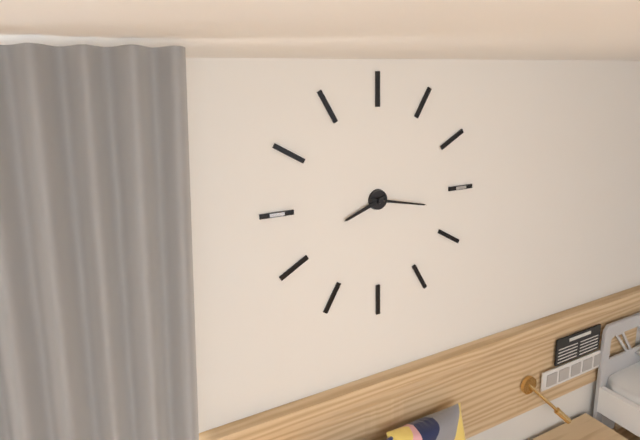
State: h=8 m=17
